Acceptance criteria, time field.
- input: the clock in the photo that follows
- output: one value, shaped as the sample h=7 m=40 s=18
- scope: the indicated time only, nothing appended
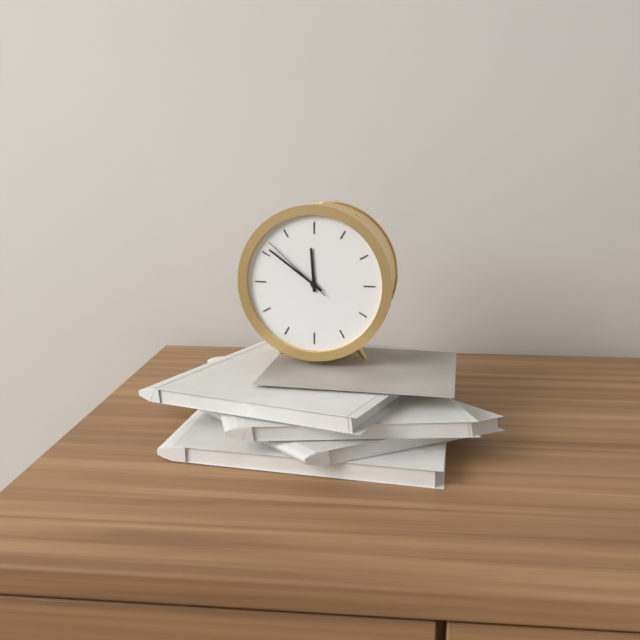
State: h=11 m=51 s=52
